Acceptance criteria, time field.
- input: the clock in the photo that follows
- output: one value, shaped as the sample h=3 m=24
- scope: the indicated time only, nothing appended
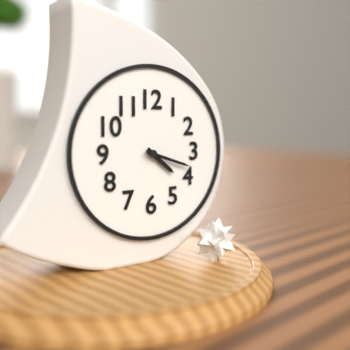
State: h=4 m=18
